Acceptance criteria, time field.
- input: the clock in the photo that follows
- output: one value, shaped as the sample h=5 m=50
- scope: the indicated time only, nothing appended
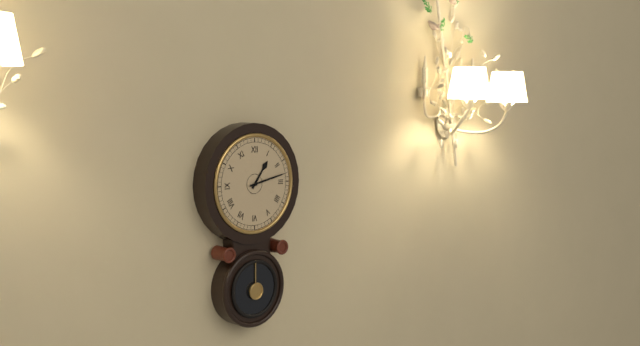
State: h=1 m=13
